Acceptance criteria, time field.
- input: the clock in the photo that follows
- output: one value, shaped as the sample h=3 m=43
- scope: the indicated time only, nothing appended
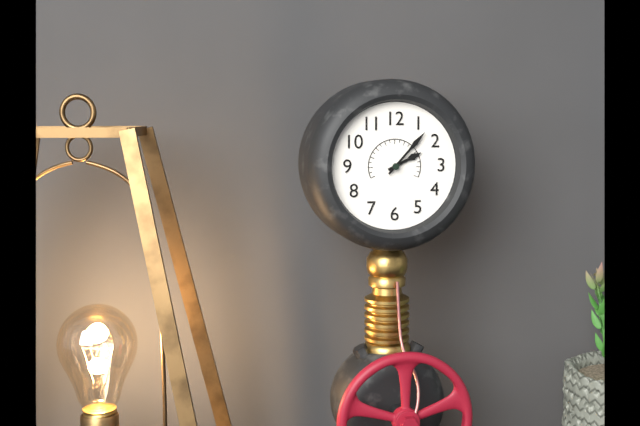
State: h=2 m=7
